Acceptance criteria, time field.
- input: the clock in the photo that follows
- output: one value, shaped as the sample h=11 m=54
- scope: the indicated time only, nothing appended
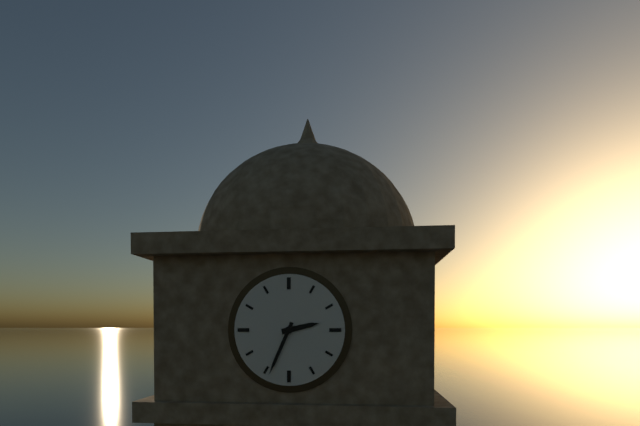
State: h=2 m=34
